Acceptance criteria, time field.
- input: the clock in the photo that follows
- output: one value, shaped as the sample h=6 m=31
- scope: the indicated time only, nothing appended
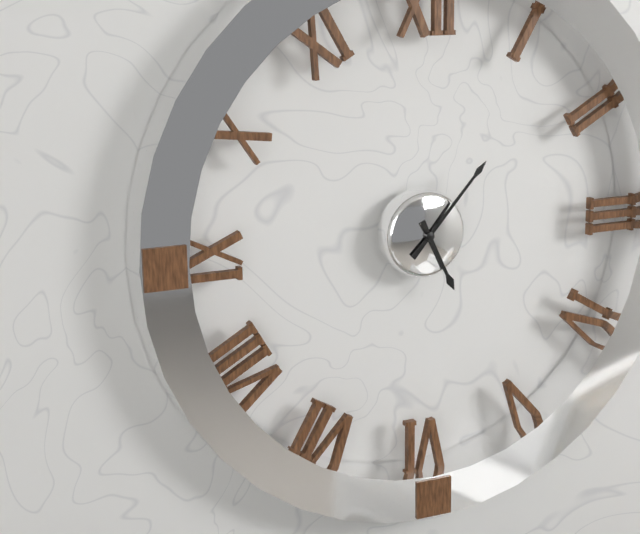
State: h=5 m=7
